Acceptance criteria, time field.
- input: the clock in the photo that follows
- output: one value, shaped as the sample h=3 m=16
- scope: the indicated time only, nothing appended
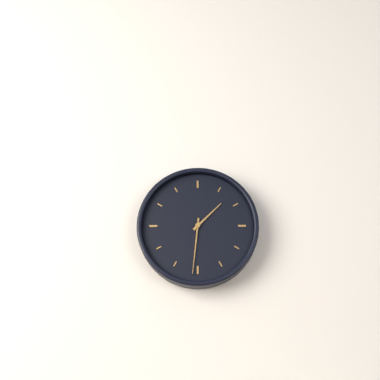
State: h=1 m=31
